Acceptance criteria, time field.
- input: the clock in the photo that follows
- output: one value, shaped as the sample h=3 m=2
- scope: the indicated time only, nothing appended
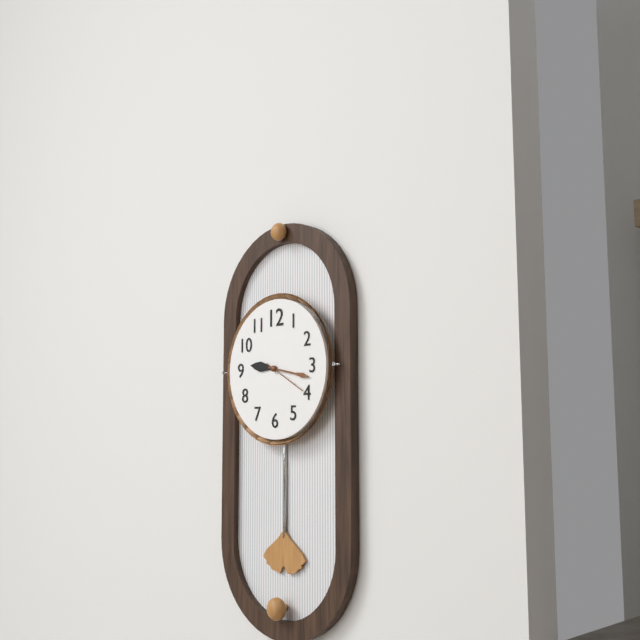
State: h=9 m=17
